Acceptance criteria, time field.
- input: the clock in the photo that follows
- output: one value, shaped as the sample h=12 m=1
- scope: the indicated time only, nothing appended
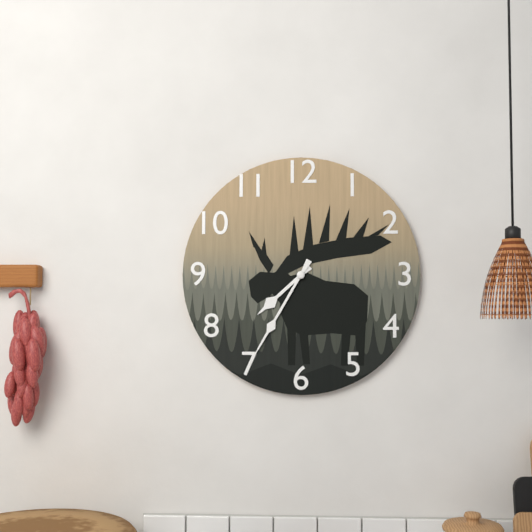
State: h=7 m=35
